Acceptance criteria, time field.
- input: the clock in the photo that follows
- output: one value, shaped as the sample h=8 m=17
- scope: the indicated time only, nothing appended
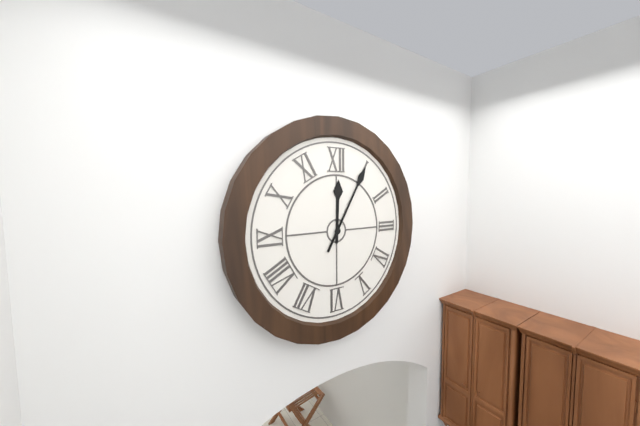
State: h=12 m=5
